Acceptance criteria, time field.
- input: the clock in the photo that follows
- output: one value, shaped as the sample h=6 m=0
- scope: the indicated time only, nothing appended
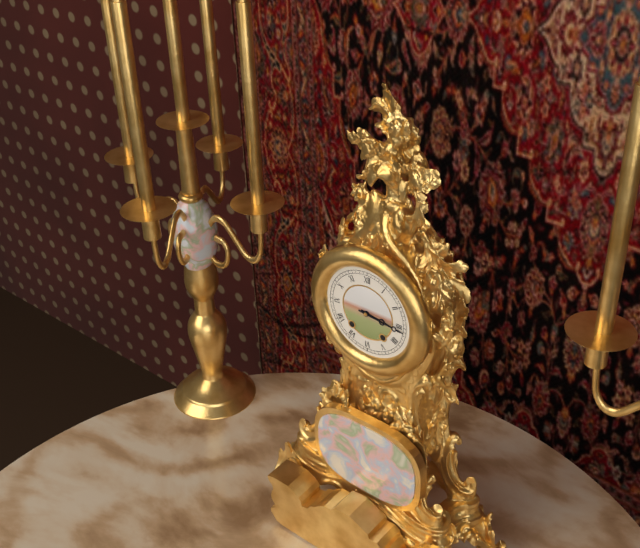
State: h=3 m=16
